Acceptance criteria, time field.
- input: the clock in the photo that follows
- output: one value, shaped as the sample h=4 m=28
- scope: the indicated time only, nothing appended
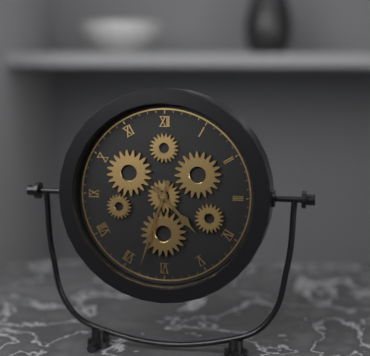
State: h=4 m=33
